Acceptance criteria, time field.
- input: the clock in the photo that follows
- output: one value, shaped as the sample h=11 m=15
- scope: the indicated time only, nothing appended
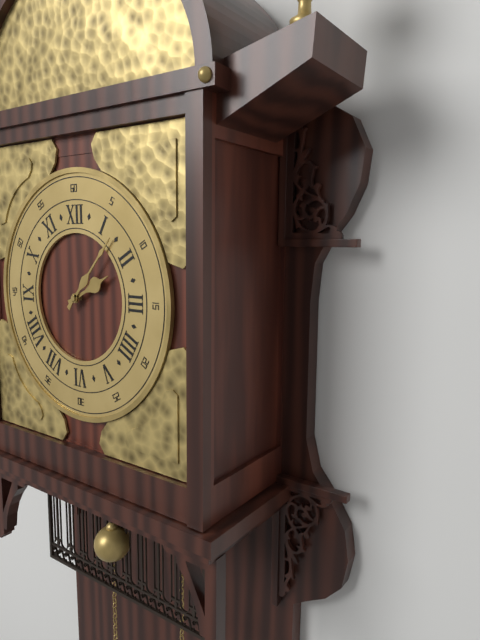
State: h=2 m=7
